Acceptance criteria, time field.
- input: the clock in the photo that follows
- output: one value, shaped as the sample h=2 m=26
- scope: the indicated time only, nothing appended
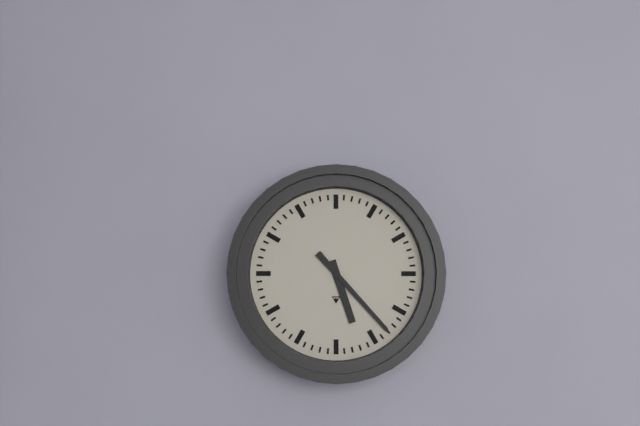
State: h=5 m=23
